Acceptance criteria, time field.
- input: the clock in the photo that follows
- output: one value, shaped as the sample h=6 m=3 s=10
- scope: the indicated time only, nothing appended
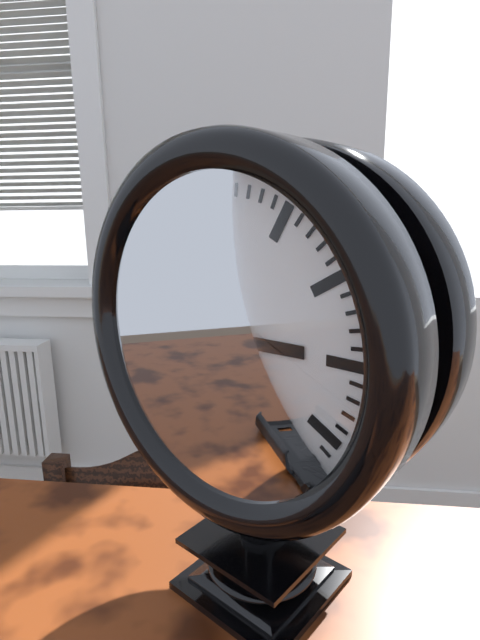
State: h=2 m=57 s=24
